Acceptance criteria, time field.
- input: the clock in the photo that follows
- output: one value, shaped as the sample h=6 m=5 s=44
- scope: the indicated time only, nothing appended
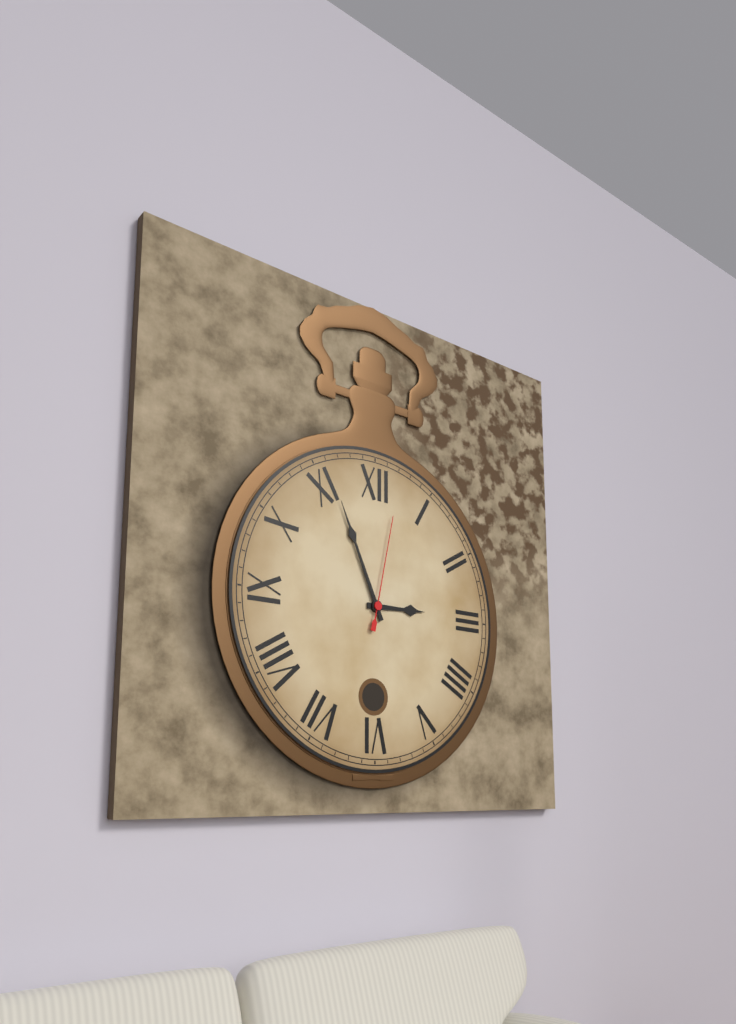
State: h=2 m=56 s=2
